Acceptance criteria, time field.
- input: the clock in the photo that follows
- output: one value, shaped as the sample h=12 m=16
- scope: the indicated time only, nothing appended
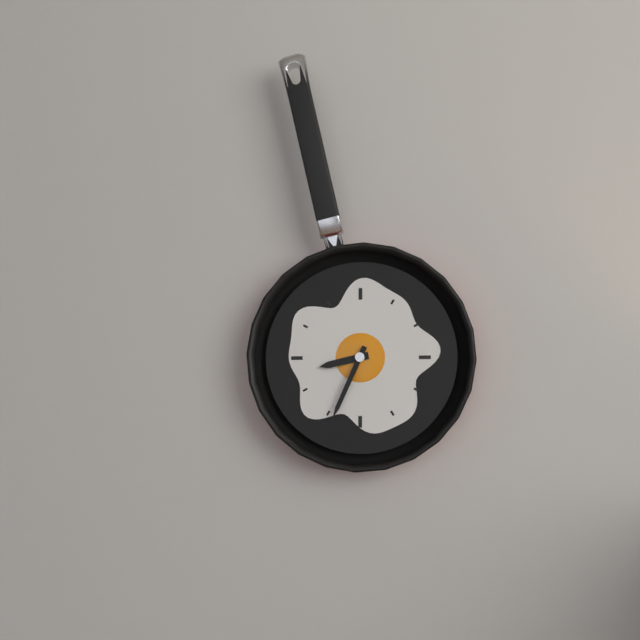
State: h=8 m=34
